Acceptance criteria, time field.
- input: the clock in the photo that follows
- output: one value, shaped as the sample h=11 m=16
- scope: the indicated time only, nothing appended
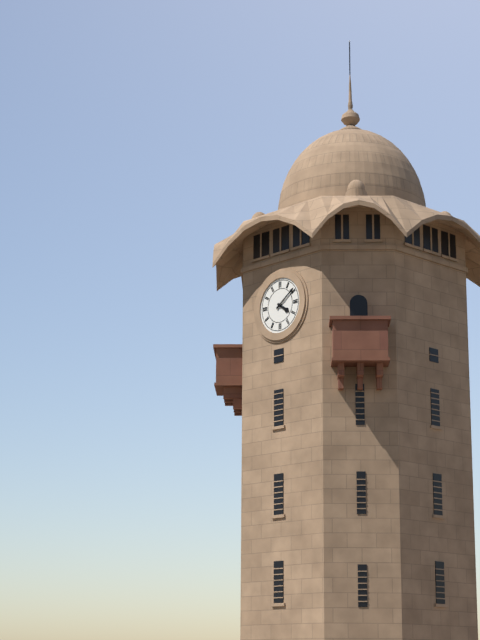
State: h=4 m=9
